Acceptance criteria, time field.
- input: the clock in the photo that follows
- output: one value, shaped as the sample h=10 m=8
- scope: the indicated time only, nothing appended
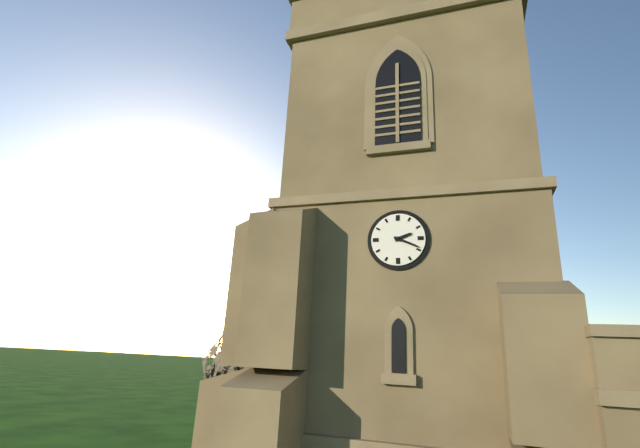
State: h=2 m=19
